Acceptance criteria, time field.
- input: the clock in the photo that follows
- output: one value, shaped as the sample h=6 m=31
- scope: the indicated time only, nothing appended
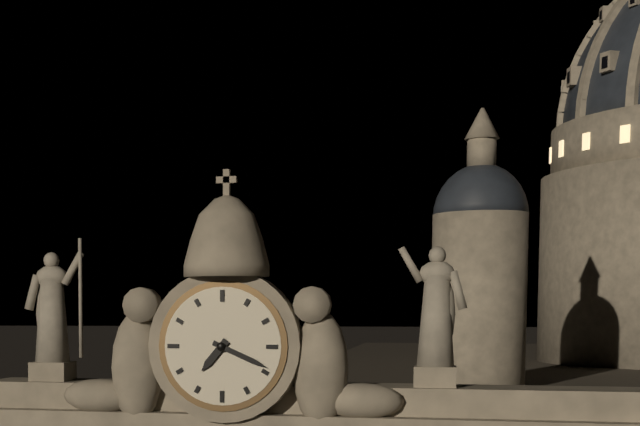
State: h=7 m=19
